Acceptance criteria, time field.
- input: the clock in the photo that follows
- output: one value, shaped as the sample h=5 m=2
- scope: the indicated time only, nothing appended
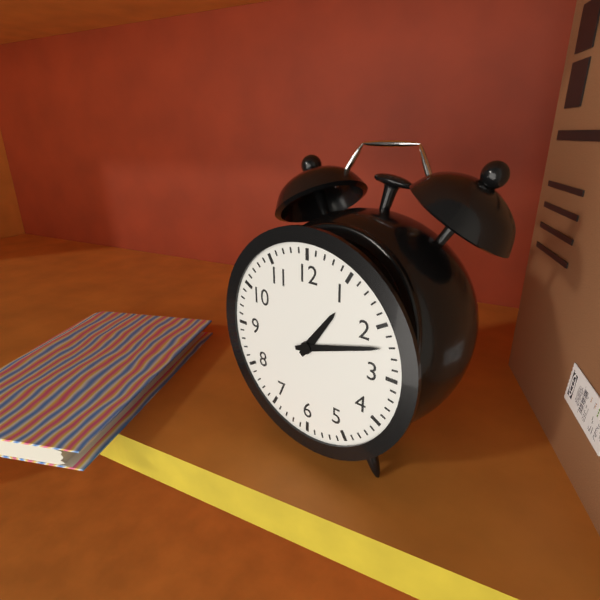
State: h=1 m=12
